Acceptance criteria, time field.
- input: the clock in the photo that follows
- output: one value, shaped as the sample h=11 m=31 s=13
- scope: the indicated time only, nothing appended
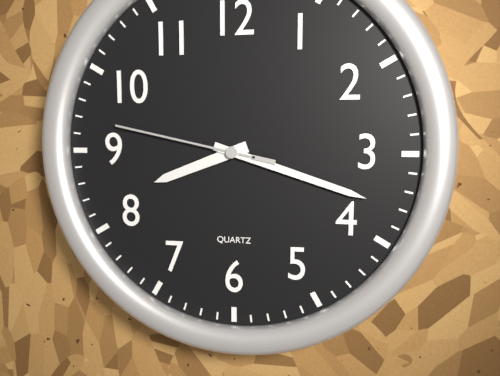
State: h=8 m=18 s=47
